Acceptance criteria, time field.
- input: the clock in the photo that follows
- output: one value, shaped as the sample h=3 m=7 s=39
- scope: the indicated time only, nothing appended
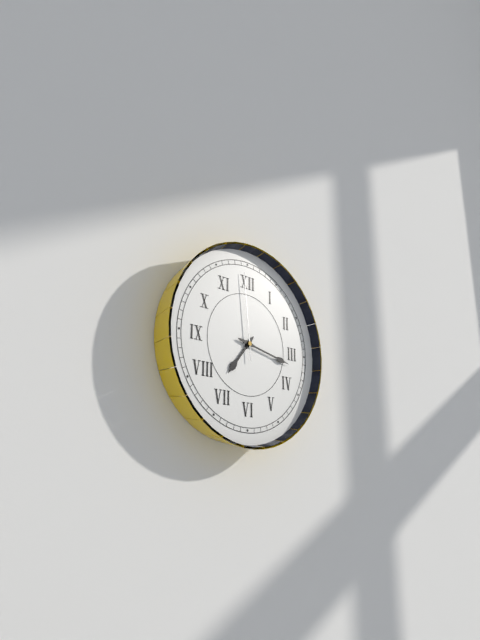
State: h=7 m=17 s=59
